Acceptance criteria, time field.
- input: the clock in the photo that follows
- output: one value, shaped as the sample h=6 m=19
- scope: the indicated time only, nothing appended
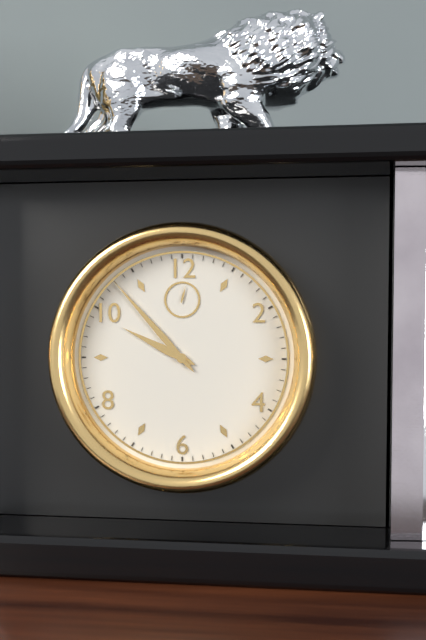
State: h=9 m=53
